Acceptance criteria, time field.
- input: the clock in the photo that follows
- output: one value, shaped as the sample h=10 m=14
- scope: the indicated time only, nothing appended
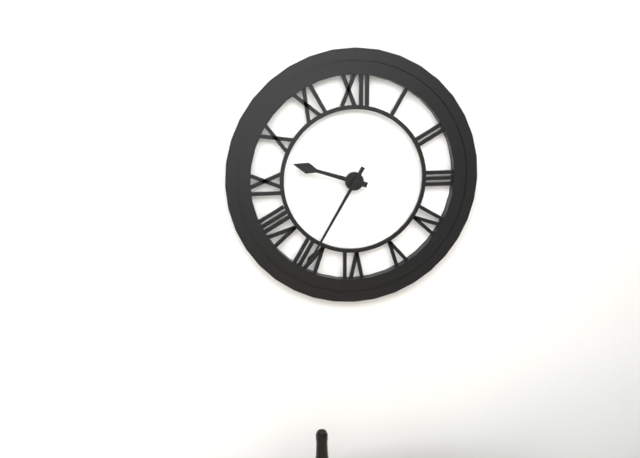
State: h=9 m=35
